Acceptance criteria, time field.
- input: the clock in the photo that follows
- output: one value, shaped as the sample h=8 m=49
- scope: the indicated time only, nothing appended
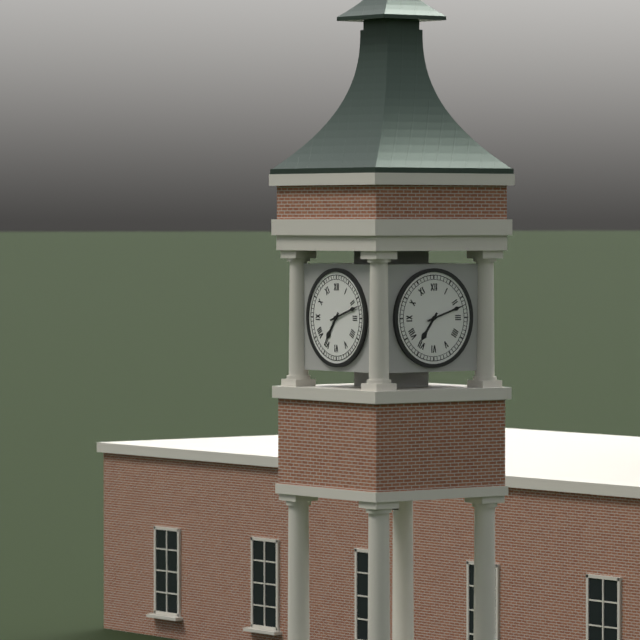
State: h=7 m=12
